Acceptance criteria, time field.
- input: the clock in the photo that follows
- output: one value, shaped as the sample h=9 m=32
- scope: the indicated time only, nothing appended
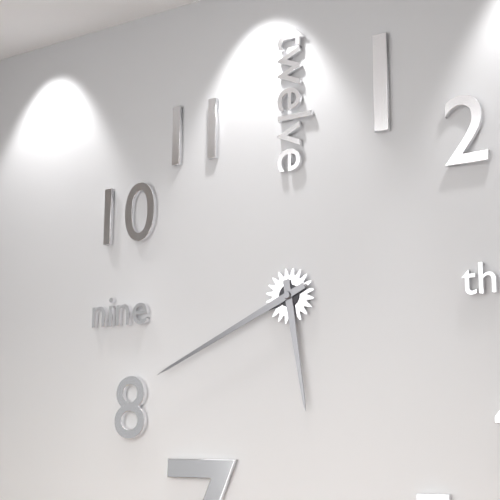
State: h=5 m=41
